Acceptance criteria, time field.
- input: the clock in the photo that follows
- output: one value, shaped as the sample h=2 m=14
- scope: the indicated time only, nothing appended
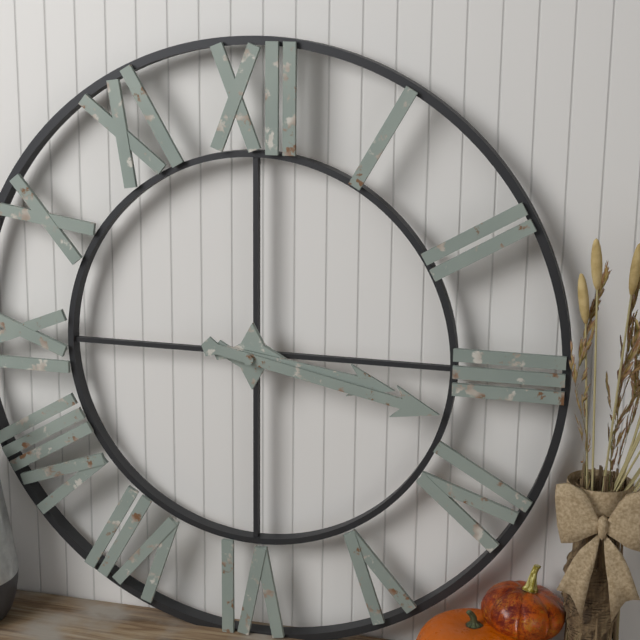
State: h=3 m=17
